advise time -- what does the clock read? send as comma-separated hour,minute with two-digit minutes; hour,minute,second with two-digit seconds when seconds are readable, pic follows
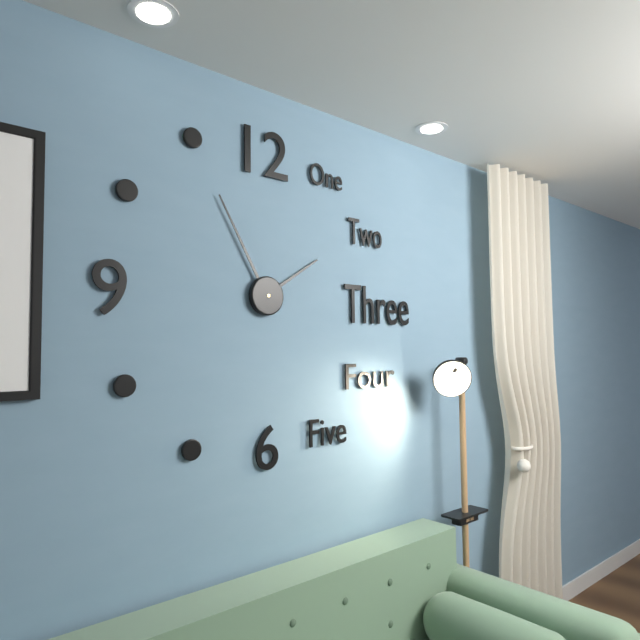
1,55
